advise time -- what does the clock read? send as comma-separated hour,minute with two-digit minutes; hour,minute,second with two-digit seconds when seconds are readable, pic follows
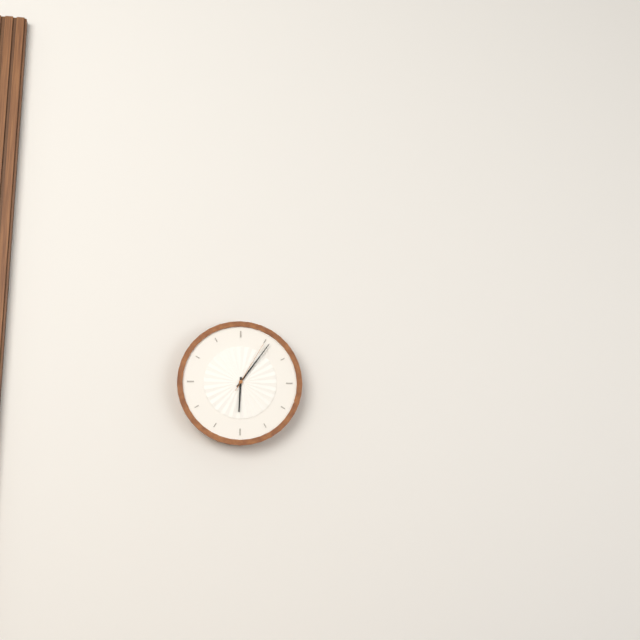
6,06,05
